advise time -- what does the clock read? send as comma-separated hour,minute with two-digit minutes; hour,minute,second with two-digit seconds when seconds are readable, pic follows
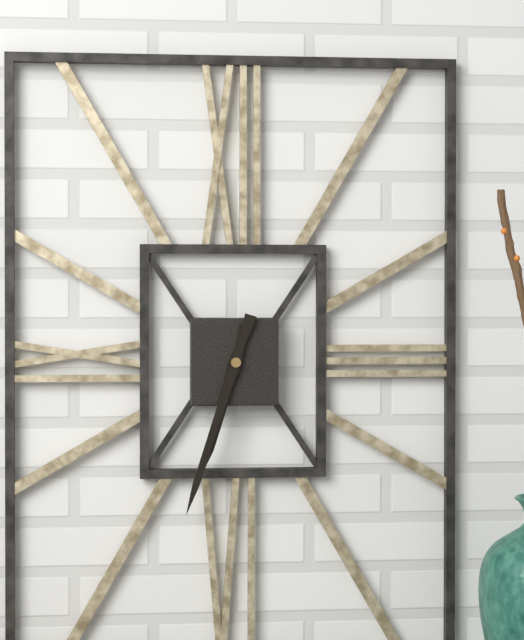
6,33
